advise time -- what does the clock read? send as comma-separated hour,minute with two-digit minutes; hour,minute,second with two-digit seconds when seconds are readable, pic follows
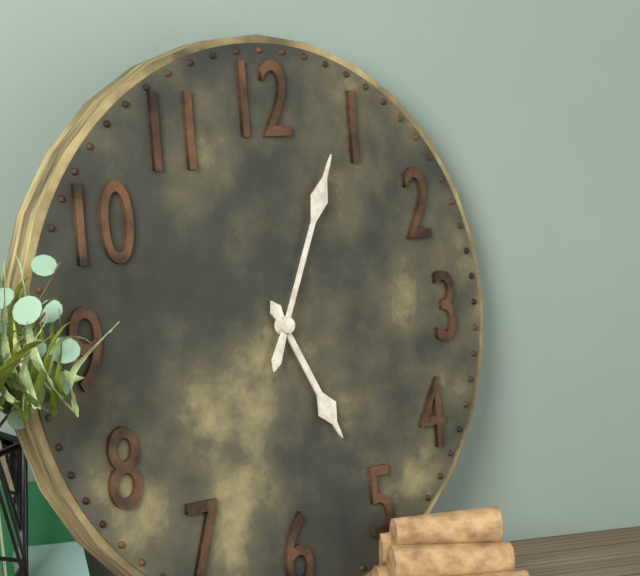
5,04
